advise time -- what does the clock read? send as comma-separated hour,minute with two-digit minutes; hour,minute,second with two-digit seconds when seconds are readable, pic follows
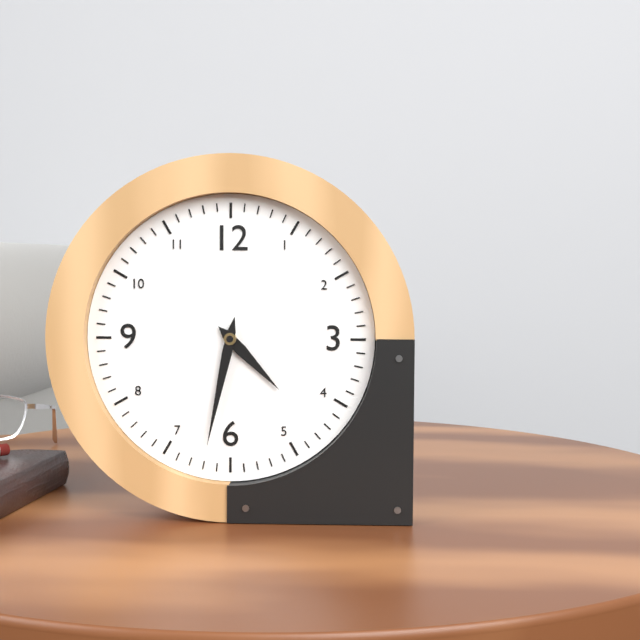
4,32
